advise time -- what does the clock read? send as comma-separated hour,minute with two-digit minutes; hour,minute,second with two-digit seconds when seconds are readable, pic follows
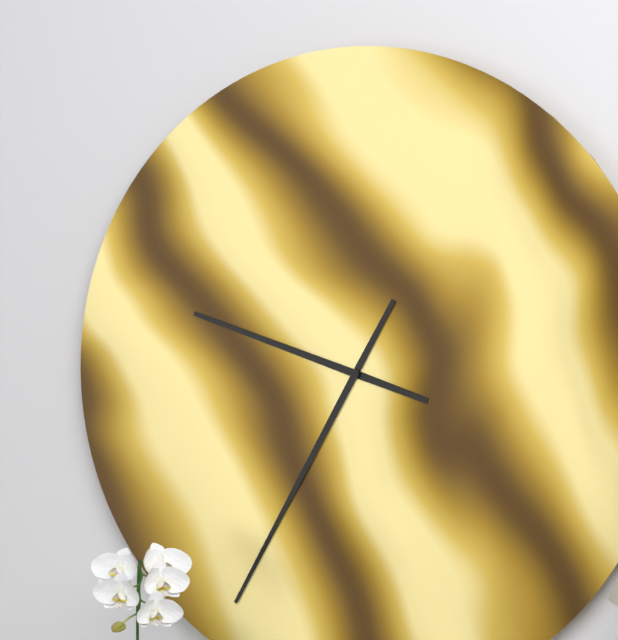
9,35
